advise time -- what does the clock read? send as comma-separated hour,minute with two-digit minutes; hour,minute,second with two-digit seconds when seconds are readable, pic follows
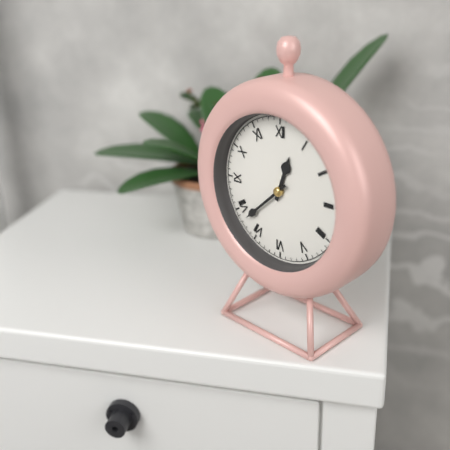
12,38
